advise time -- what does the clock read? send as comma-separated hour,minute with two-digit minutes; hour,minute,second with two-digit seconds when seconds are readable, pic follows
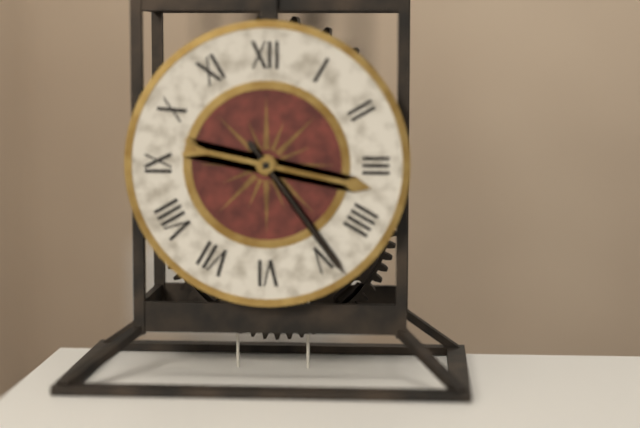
3,24
